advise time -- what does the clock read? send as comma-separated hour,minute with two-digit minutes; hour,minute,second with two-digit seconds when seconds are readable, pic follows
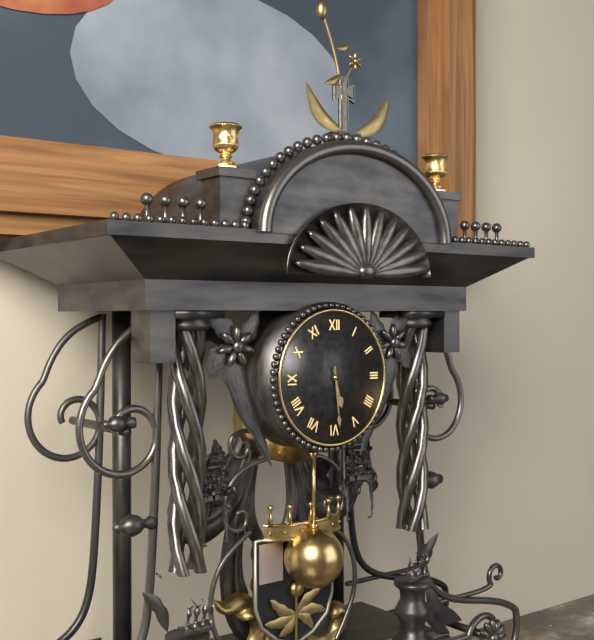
5,29
